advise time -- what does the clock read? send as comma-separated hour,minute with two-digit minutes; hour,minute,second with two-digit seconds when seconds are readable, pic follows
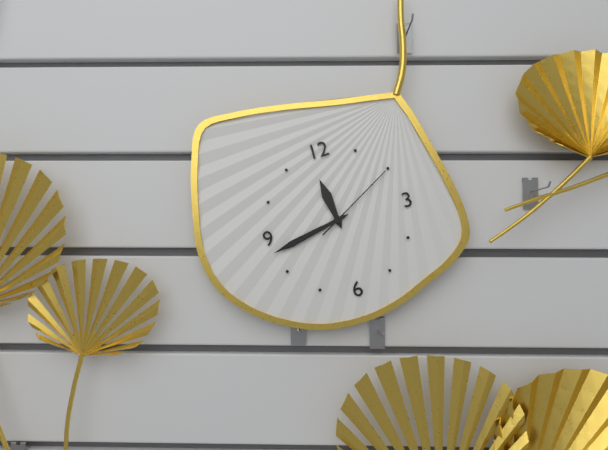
11,43,10
